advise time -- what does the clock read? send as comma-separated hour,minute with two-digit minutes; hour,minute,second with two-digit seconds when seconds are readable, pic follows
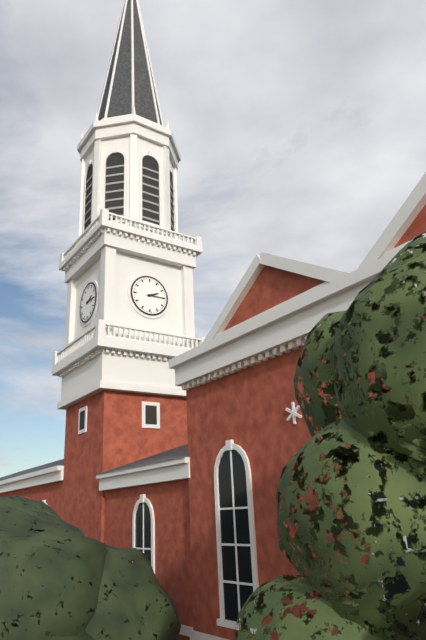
2,15
